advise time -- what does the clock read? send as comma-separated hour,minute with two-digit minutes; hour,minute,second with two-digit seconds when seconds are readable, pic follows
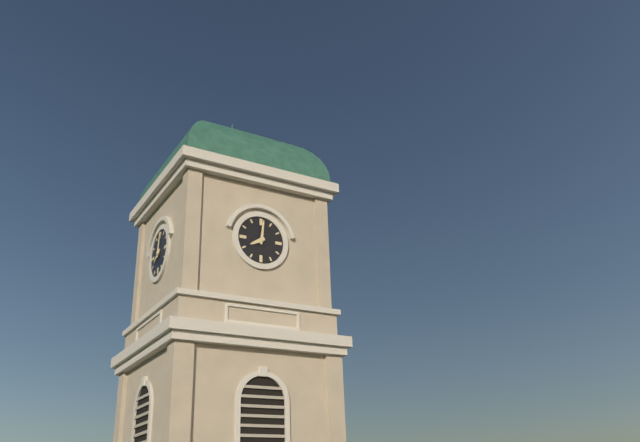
8,01
